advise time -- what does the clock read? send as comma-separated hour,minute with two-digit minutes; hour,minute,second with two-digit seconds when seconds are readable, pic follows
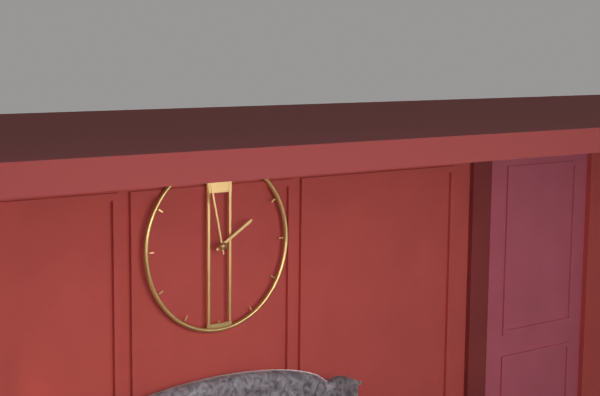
1,58
